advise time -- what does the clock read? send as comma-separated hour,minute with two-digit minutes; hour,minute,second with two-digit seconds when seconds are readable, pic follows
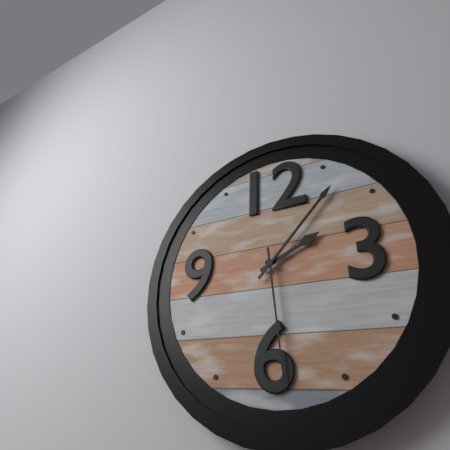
2,07,29
